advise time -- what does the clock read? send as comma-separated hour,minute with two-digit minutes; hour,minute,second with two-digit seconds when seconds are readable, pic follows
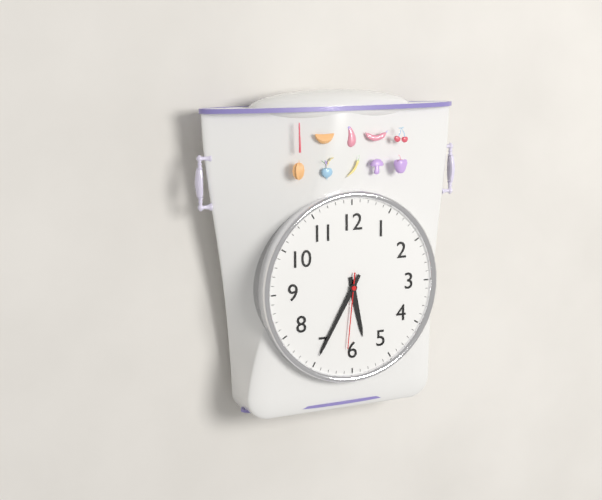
5,35,31
